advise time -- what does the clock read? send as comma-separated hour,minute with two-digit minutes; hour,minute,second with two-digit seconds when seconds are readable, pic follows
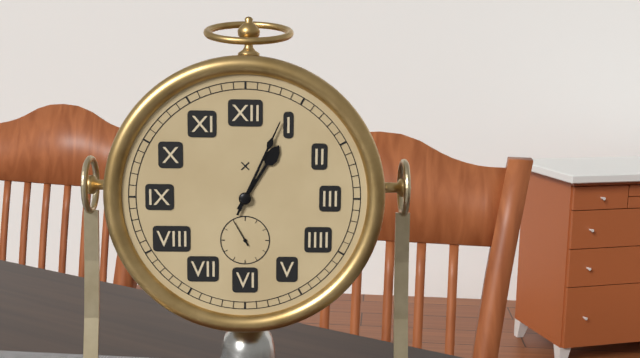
1,04
